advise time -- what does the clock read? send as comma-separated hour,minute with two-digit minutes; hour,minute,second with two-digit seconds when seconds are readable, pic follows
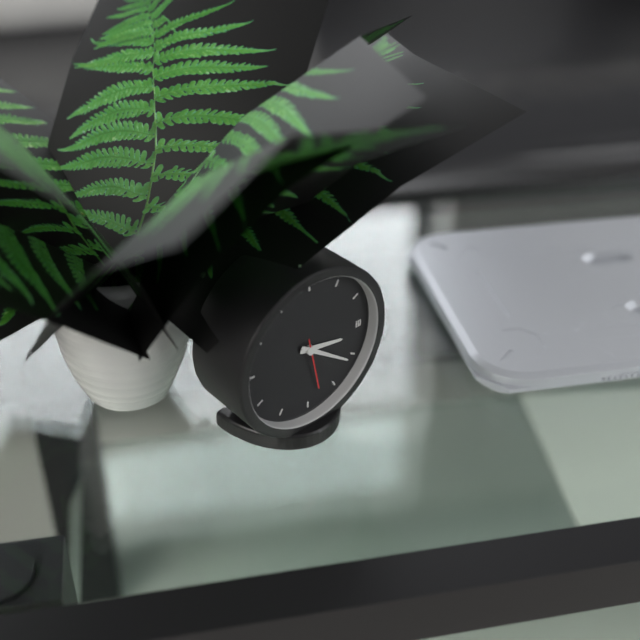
3,21,28
